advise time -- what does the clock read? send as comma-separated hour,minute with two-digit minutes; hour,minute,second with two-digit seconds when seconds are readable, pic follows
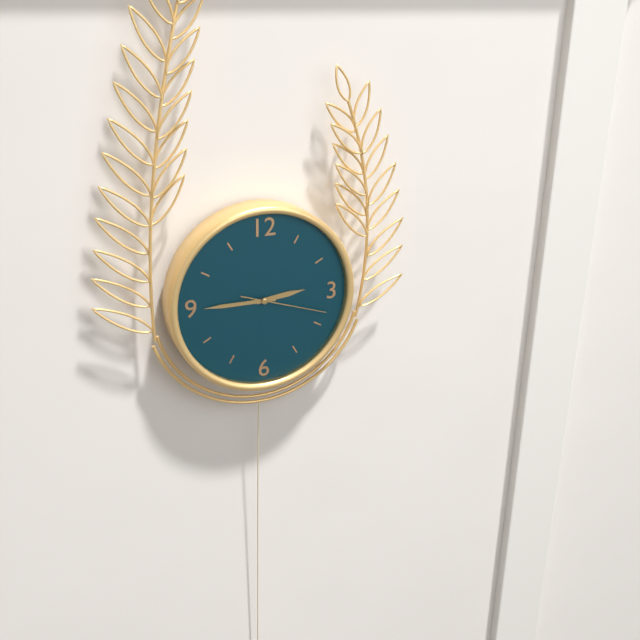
2,45,18
